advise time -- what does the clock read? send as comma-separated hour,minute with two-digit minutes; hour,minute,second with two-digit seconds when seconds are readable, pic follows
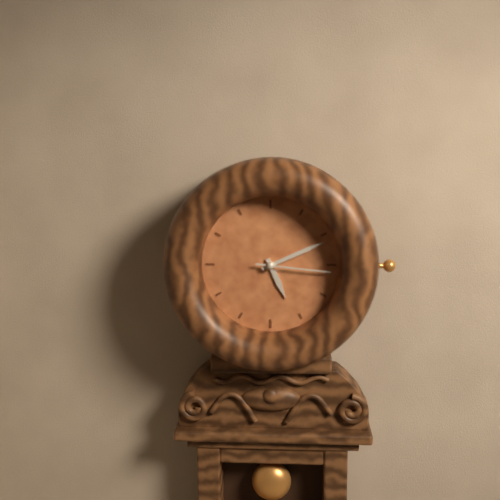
5,11,16
